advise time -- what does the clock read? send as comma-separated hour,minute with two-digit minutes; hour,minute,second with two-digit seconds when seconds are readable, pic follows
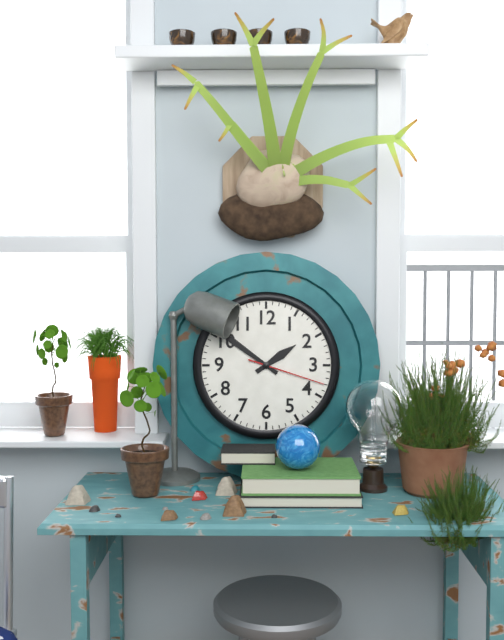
1,51,18
